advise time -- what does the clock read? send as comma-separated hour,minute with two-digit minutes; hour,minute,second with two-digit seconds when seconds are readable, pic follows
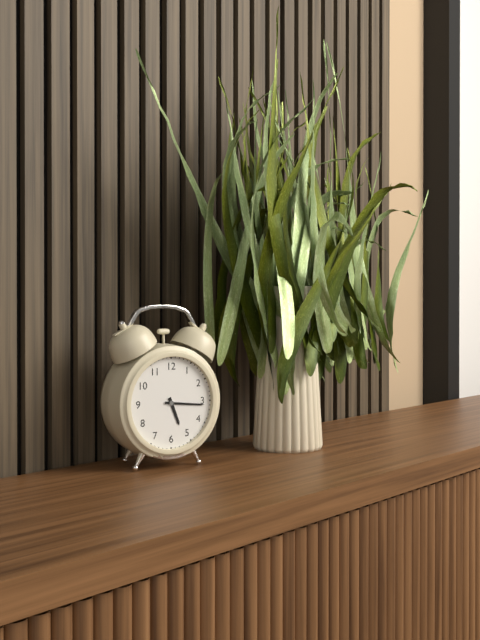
5,16
